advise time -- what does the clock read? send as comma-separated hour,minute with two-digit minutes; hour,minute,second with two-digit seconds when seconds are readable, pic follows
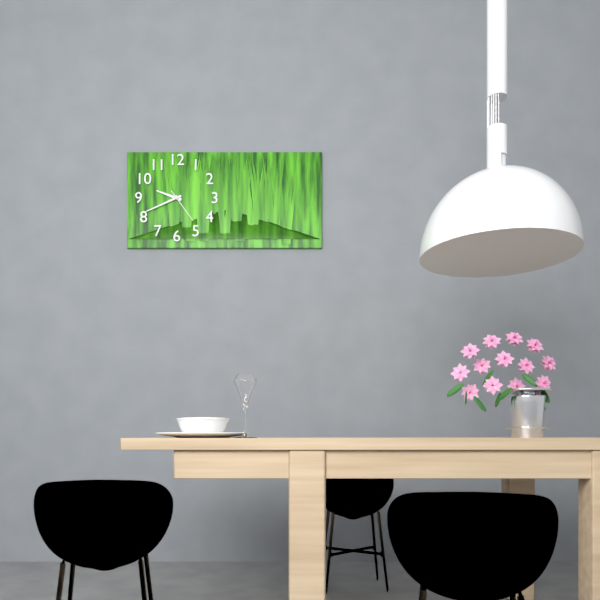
9,41
